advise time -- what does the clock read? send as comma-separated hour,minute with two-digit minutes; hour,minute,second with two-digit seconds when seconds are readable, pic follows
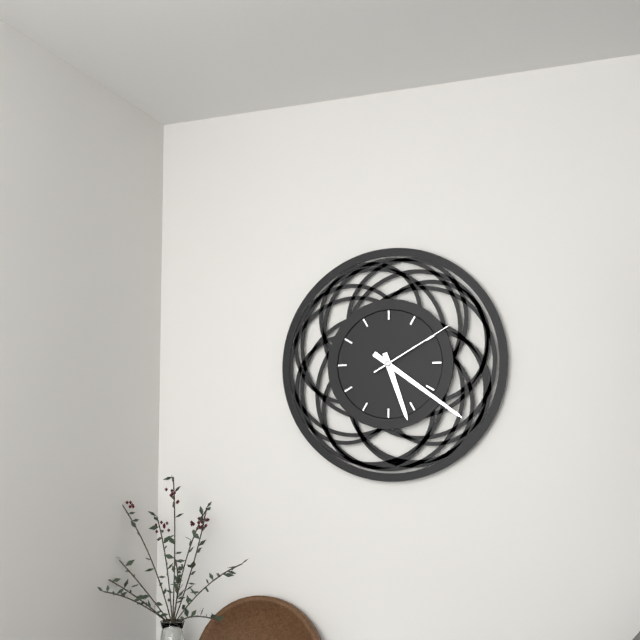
5,21,10
